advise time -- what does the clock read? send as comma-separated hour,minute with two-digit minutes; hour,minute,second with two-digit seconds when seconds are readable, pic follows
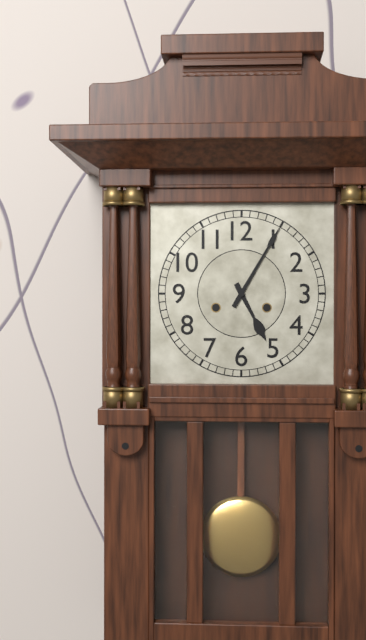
5,05
